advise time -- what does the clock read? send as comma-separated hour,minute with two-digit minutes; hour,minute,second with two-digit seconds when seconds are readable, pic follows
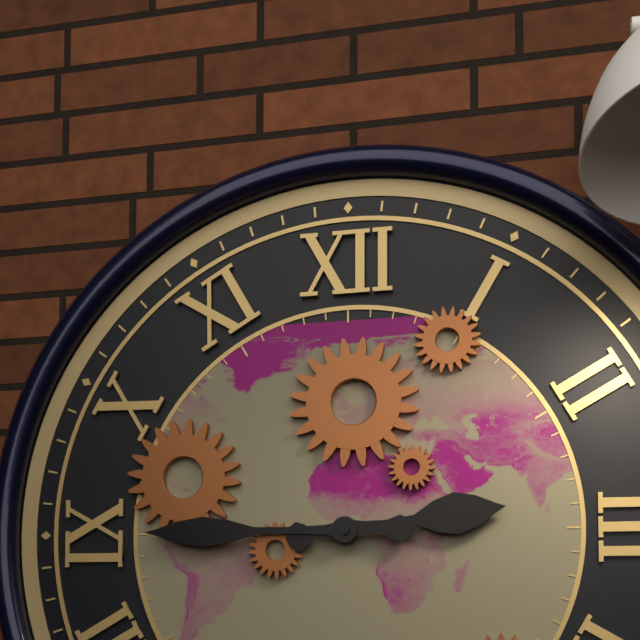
2,45
